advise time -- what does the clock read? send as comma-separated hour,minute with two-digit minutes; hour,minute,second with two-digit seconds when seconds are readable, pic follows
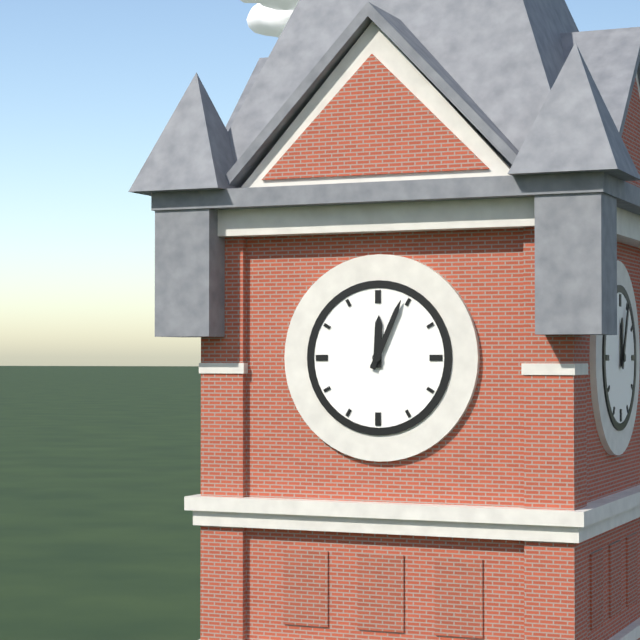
12,04
